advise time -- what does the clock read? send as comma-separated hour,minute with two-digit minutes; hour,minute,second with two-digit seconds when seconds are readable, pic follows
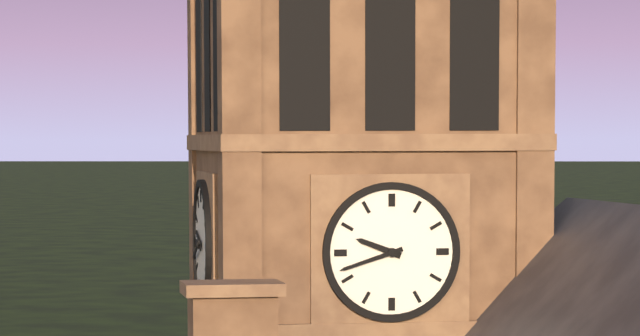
9,42
